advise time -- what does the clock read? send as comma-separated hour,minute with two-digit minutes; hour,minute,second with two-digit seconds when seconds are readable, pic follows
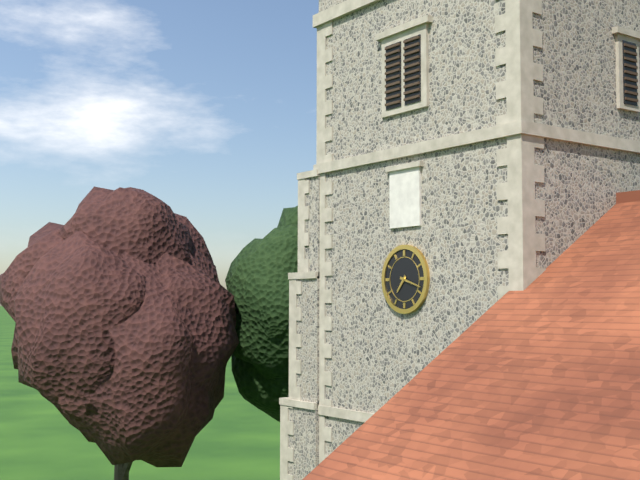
7,18
